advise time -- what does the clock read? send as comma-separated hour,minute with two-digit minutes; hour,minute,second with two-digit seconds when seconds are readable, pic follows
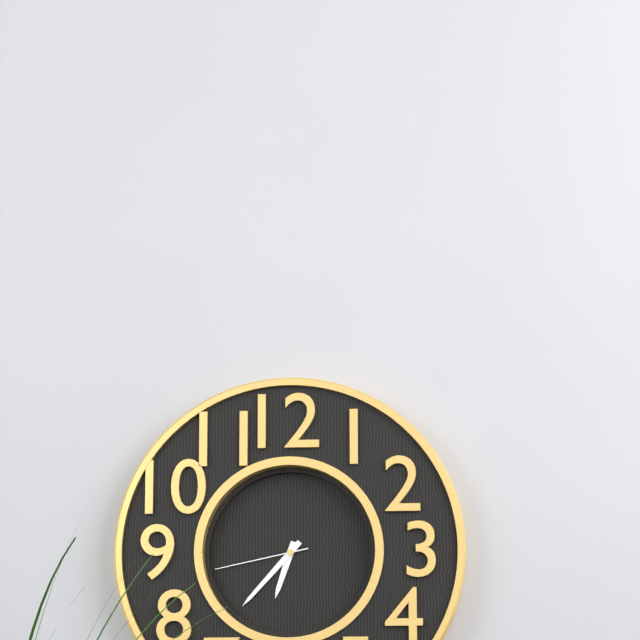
6,37,43
